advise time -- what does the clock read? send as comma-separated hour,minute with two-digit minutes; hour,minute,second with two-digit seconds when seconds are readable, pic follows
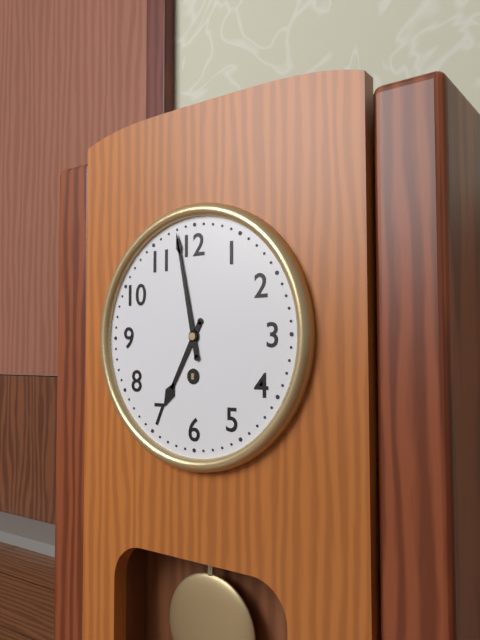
6,58
